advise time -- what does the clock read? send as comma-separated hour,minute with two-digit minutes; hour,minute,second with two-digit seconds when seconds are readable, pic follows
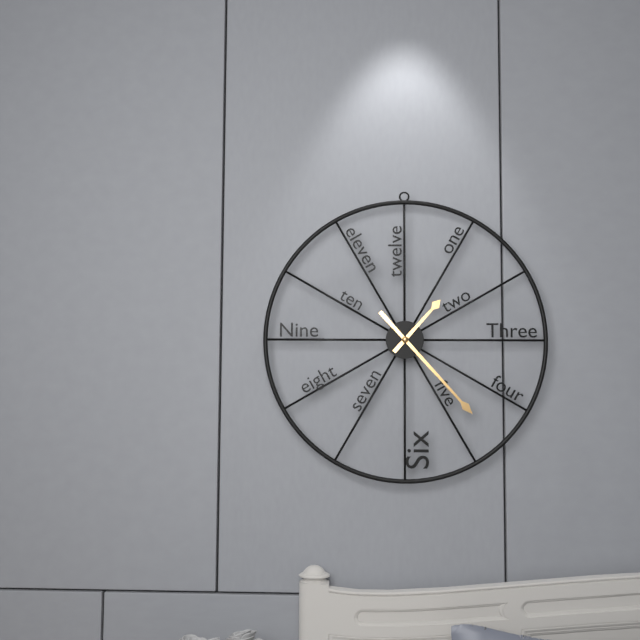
1,23
